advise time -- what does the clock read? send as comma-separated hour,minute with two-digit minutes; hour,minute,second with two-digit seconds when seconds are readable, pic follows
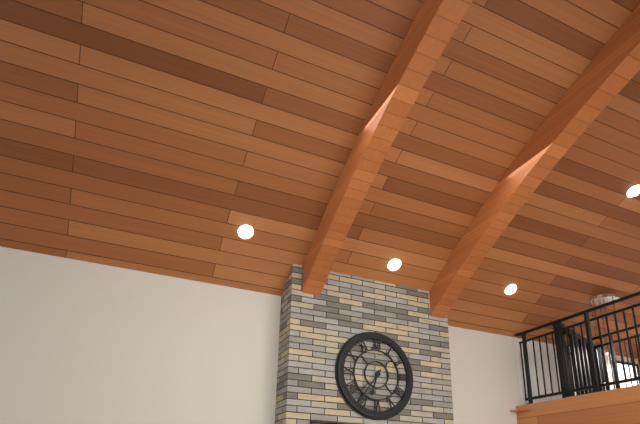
6,36
